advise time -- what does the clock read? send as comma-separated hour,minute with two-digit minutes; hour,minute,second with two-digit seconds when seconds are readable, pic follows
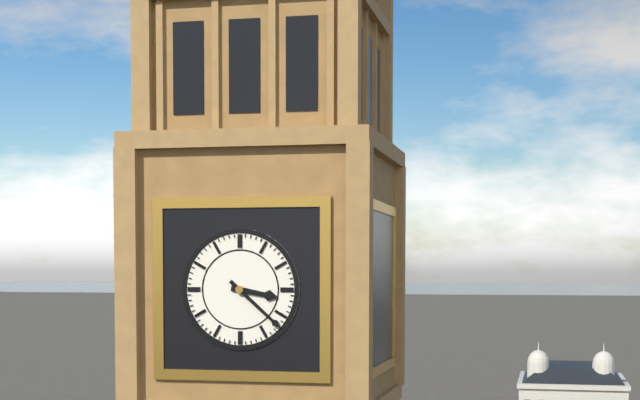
3,22
